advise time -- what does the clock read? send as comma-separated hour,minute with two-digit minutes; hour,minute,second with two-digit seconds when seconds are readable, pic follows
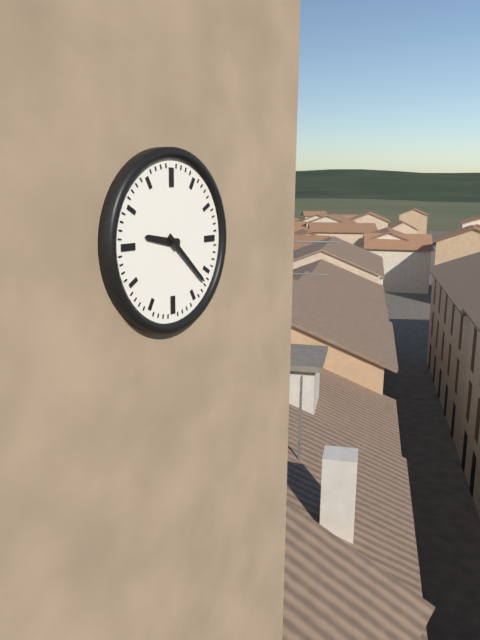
9,22
